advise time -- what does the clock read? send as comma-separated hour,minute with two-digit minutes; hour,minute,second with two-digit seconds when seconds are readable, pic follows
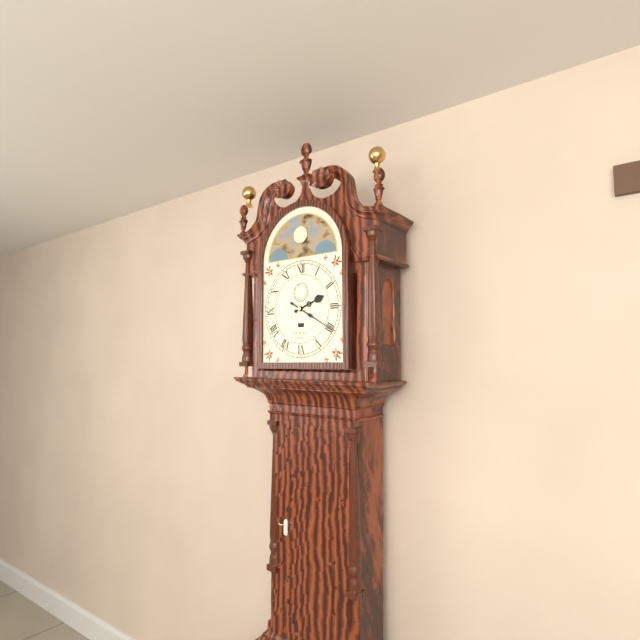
2,20
